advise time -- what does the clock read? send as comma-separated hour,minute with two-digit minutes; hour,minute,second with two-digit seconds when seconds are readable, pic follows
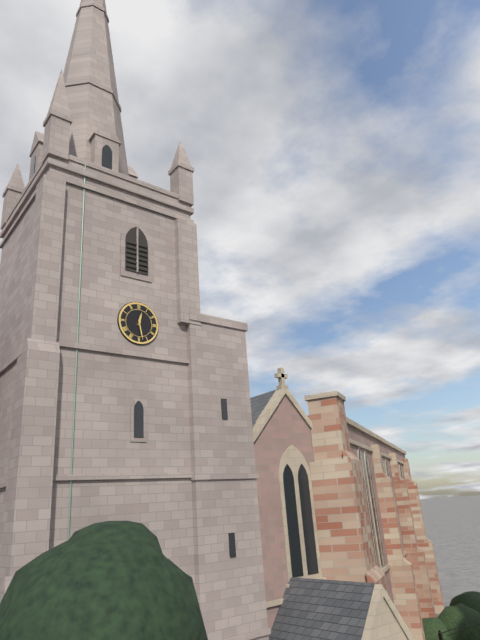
12,28
